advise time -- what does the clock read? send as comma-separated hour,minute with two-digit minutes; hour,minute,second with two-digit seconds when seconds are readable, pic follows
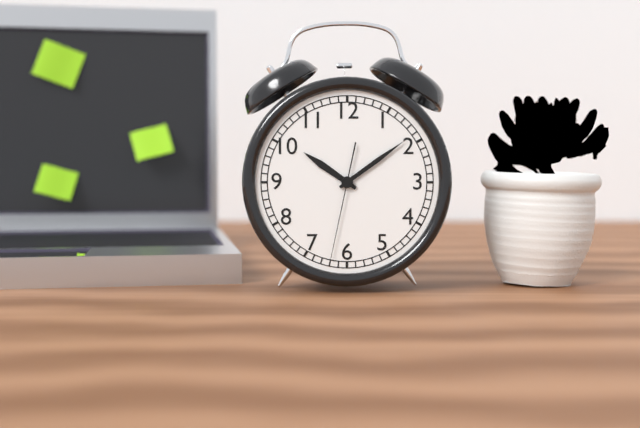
10,09,32
